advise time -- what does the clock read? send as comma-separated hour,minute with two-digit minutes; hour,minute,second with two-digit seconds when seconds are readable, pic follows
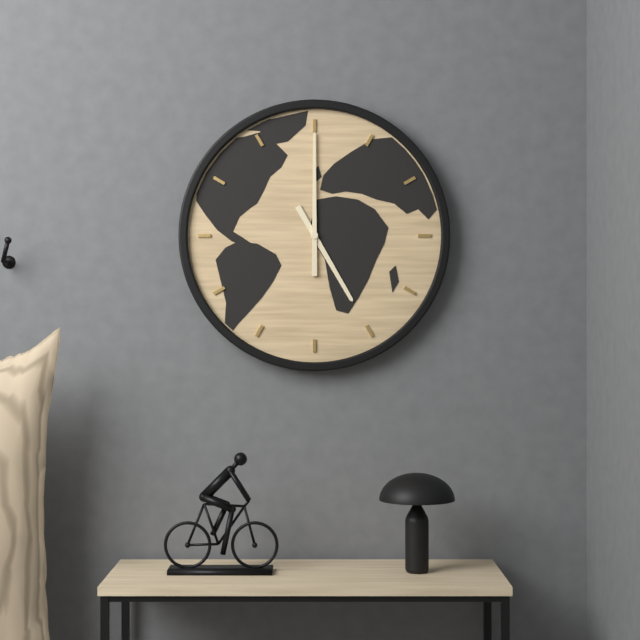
5,00
